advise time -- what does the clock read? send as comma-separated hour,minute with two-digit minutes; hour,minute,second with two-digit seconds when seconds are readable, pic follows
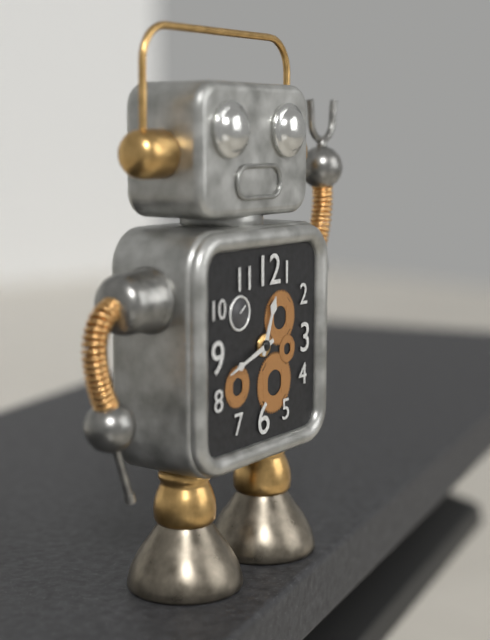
12,42
